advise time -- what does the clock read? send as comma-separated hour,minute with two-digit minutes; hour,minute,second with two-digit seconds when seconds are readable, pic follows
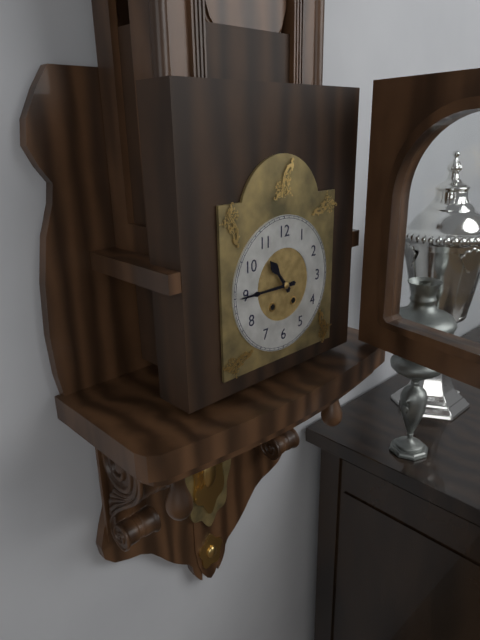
10,45
